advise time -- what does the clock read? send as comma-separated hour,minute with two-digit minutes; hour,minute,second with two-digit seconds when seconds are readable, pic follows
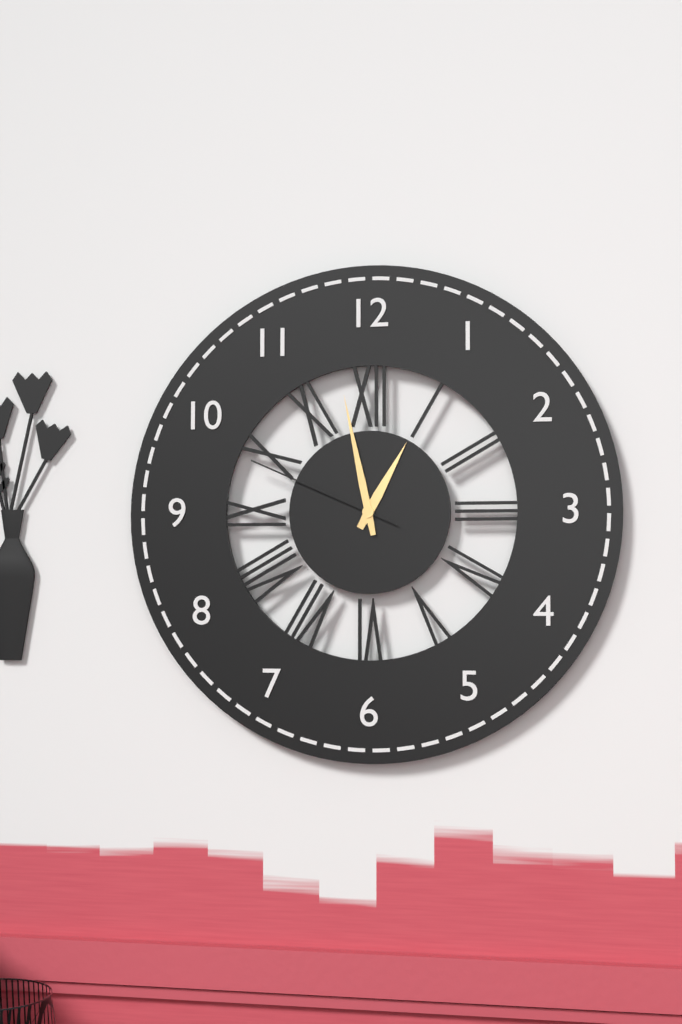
12,58,49
